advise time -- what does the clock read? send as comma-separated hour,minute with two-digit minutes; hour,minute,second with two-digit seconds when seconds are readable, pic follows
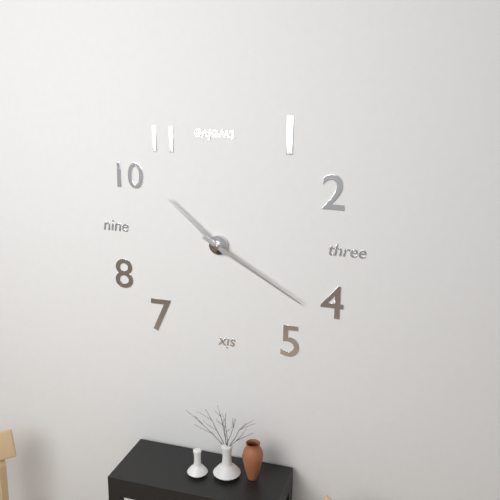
10,20
